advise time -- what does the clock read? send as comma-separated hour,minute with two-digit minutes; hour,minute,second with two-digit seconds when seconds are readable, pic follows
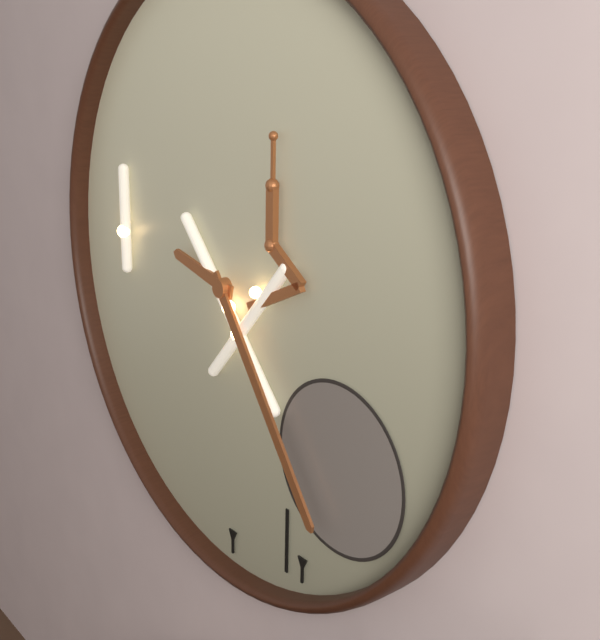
9,24
